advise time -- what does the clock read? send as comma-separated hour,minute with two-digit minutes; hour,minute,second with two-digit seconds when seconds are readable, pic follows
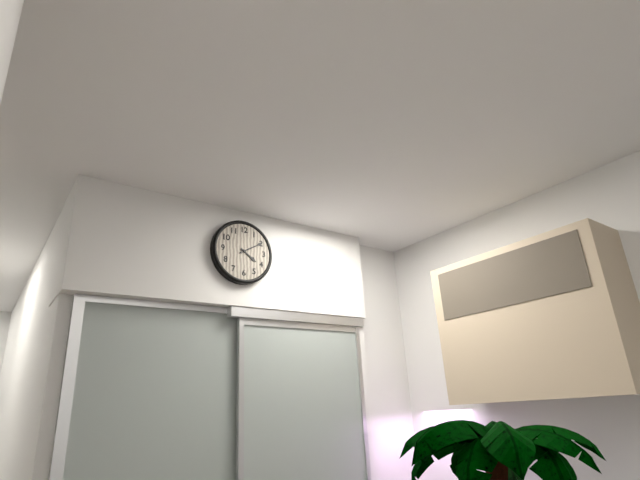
4,10
